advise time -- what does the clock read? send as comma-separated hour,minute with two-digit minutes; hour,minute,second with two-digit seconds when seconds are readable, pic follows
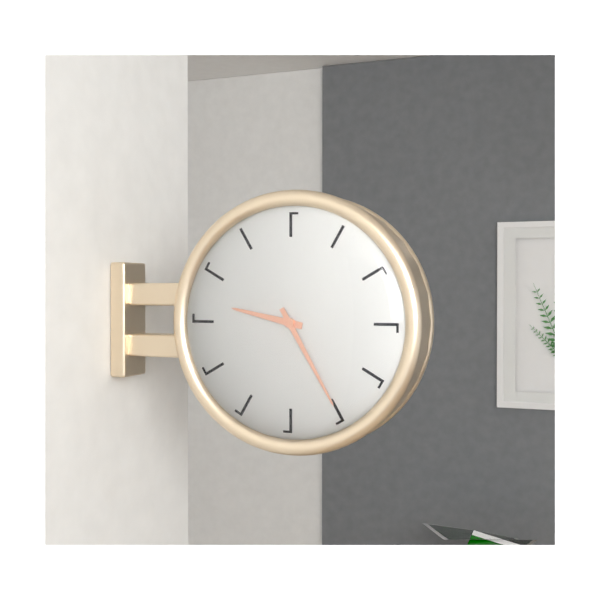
9,25
